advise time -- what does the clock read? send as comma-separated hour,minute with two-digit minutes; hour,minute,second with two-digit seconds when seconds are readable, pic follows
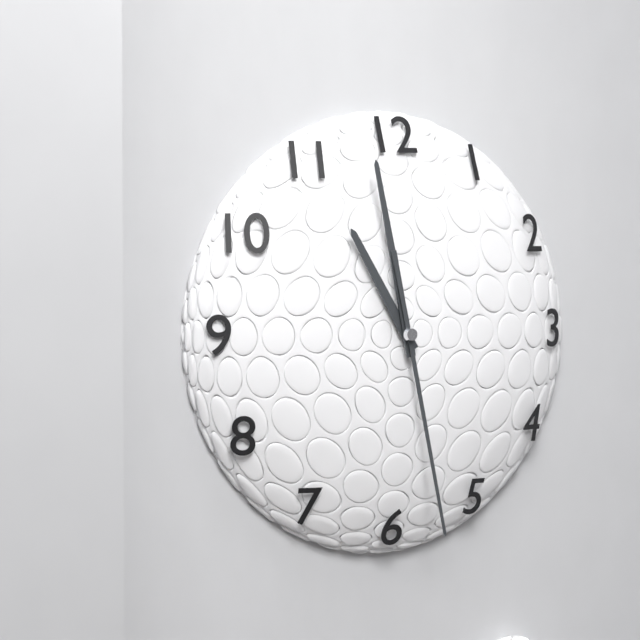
10,58,28
